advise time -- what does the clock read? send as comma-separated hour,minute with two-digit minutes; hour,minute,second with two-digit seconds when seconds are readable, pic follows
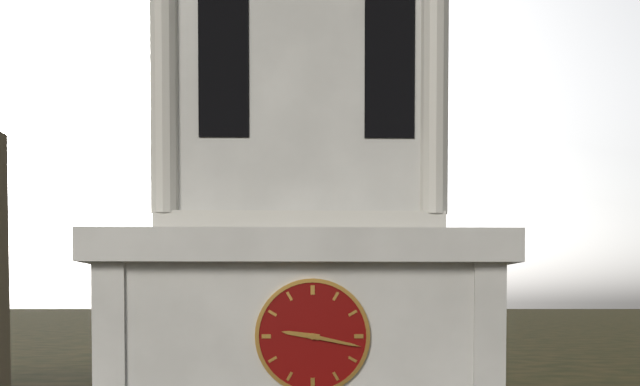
9,17
